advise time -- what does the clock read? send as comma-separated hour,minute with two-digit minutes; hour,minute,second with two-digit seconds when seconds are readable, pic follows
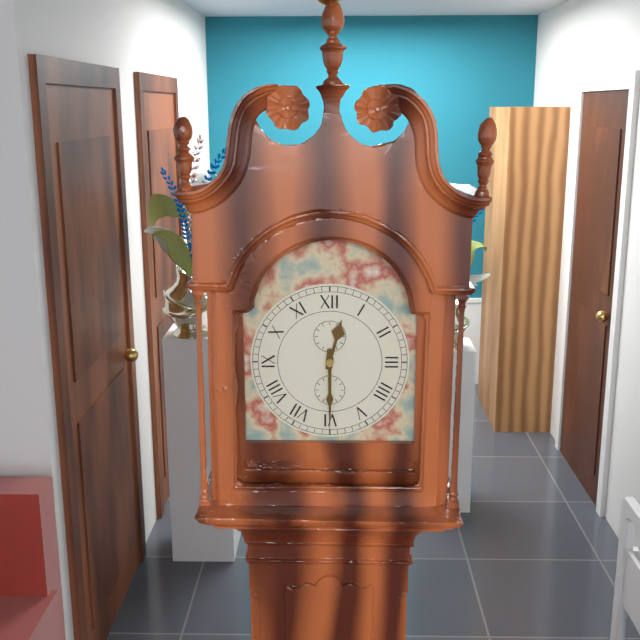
12,30
